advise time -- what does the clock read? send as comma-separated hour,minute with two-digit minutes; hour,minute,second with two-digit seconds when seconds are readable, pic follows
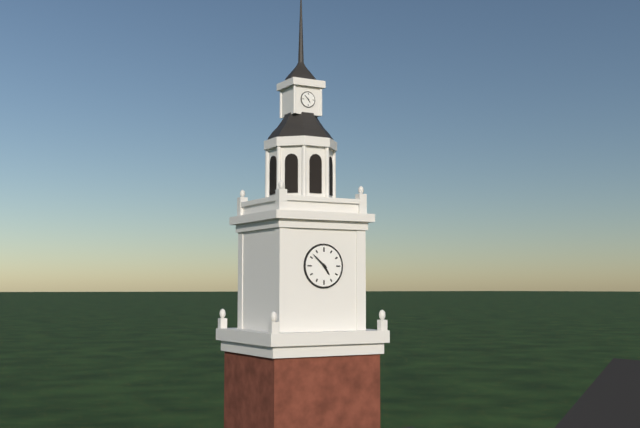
4,52
